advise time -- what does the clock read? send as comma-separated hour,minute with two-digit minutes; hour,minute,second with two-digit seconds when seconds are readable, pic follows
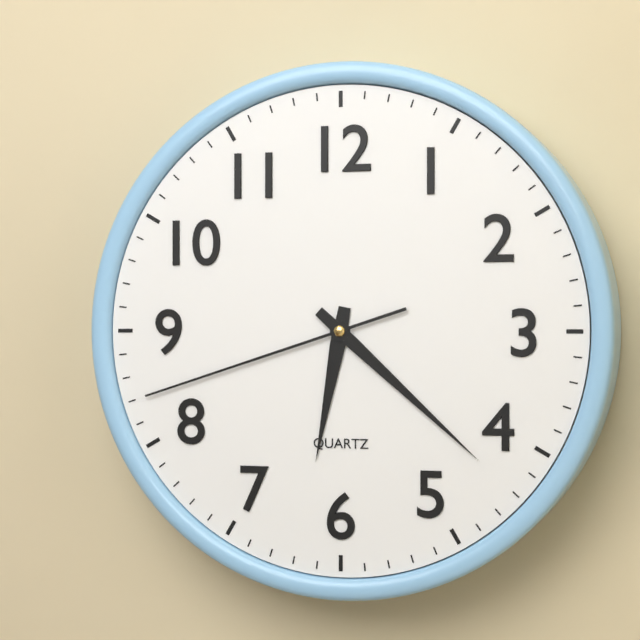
6,22,42
